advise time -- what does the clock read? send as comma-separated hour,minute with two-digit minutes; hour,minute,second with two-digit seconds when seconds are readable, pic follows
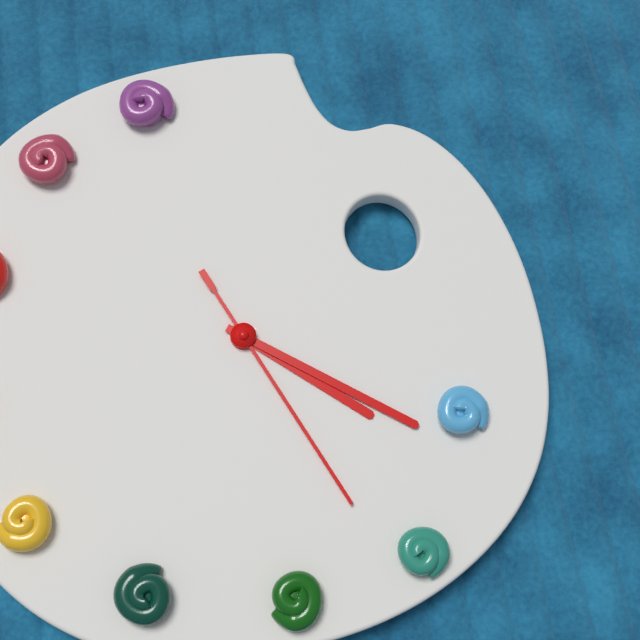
4,21,26
